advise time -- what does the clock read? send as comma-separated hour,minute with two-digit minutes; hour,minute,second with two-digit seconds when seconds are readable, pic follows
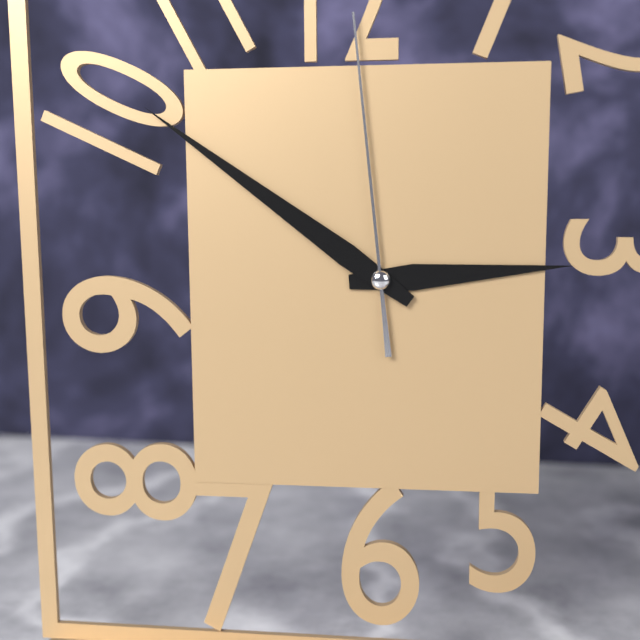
2,51,59
